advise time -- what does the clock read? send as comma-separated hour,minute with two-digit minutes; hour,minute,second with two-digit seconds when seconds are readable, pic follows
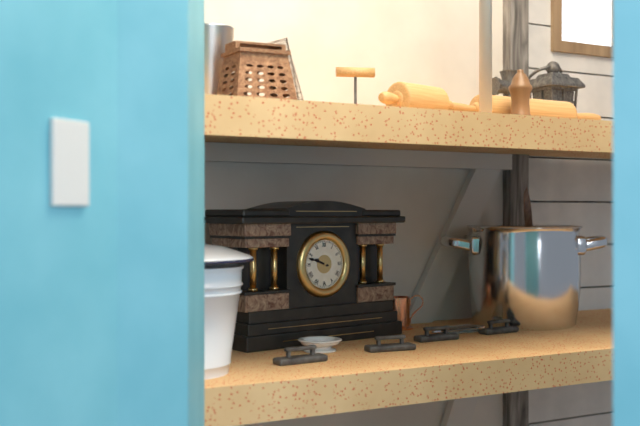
9,48
